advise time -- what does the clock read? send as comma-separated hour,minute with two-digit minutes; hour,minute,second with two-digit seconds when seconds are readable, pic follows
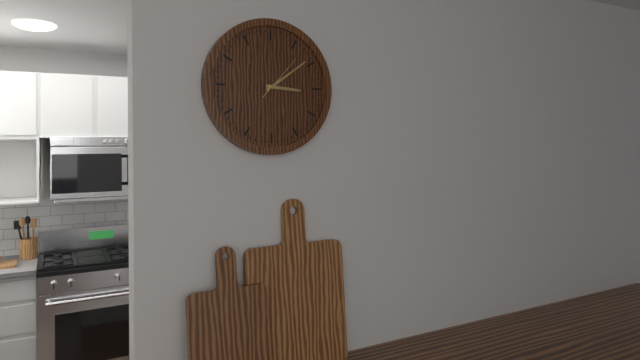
3,09
